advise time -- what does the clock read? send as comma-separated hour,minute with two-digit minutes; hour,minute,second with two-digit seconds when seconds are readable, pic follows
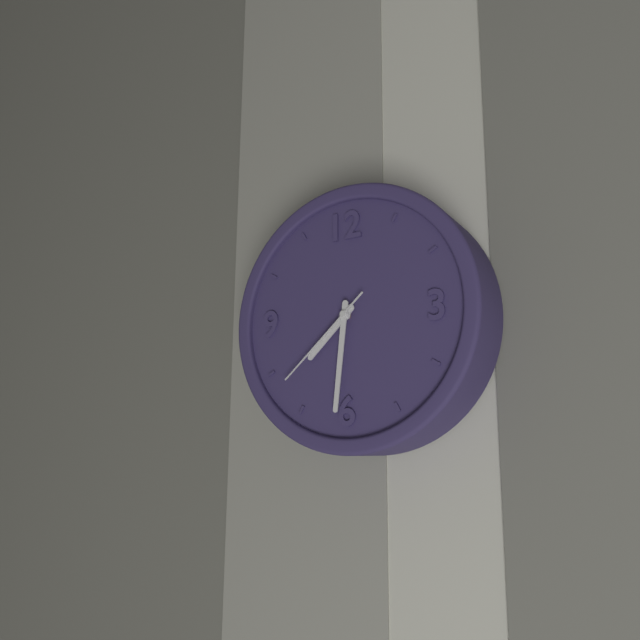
7,31,38
